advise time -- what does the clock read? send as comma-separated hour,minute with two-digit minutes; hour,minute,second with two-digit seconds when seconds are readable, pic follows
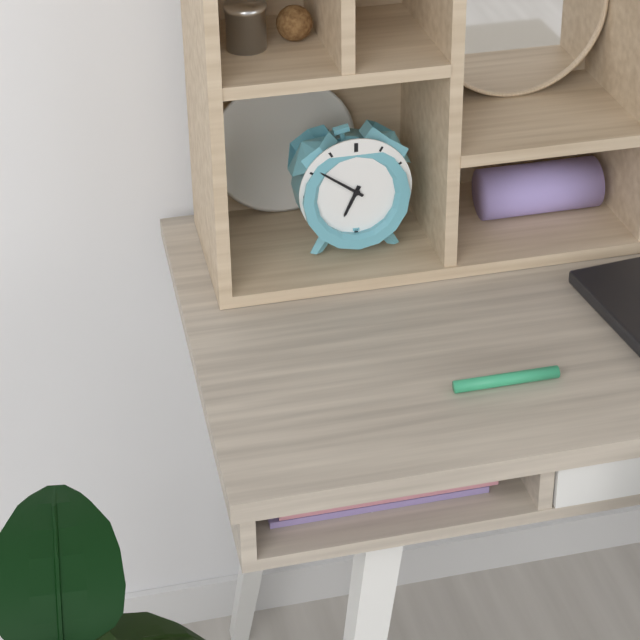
6,51
